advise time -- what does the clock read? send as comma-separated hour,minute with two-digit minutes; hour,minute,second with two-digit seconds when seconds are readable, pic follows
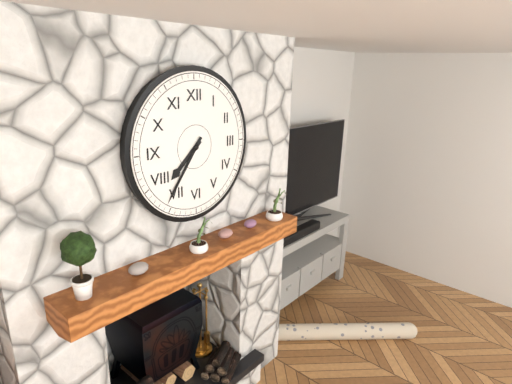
7,36
